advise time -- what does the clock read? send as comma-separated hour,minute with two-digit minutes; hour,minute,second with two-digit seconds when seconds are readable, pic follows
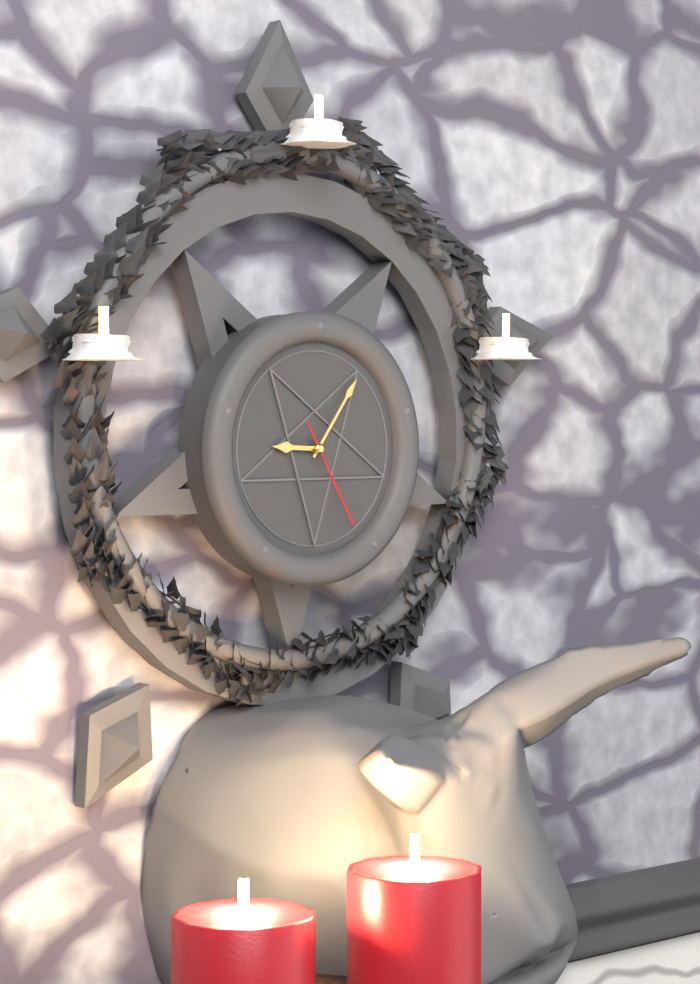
9,06,25
